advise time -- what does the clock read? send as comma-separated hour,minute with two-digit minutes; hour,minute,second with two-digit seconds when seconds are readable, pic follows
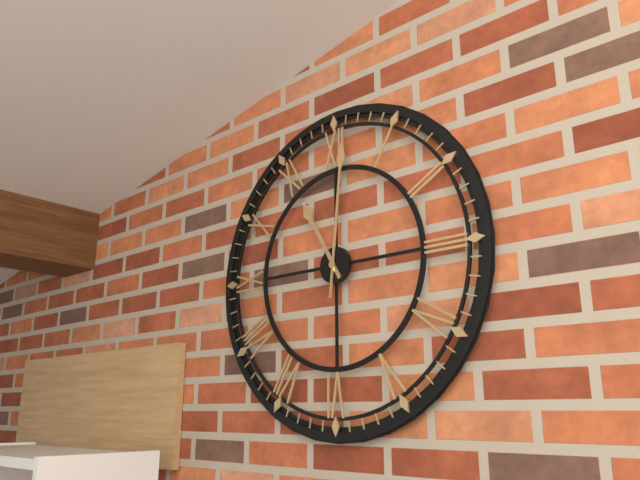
11,01
